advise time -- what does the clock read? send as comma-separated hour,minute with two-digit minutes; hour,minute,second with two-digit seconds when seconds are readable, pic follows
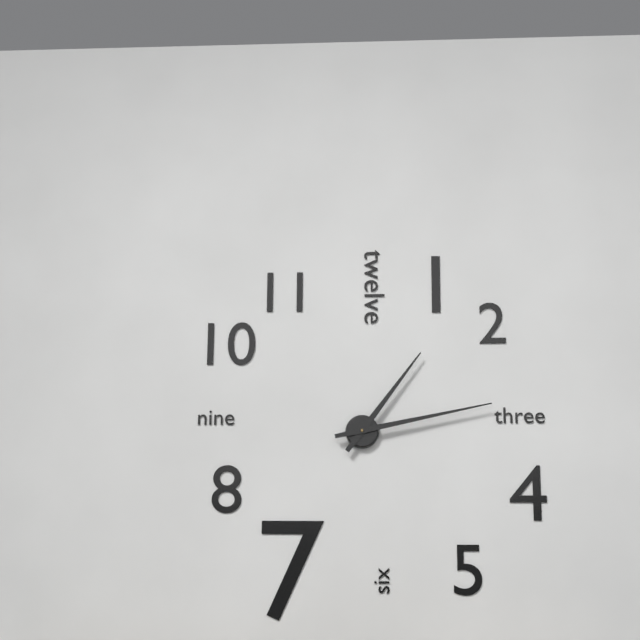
1,13
